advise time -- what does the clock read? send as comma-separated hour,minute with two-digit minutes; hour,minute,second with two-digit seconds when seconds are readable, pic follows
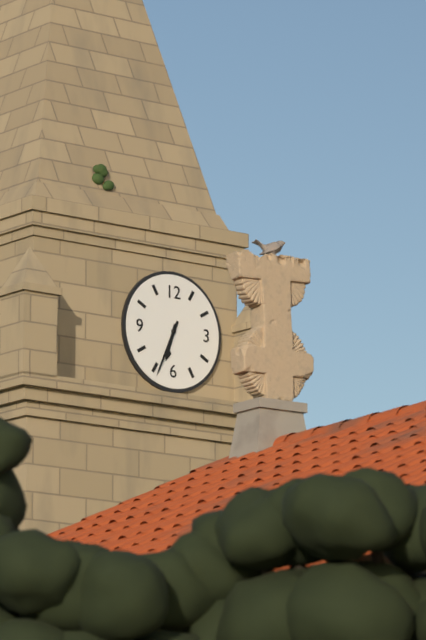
6,34
